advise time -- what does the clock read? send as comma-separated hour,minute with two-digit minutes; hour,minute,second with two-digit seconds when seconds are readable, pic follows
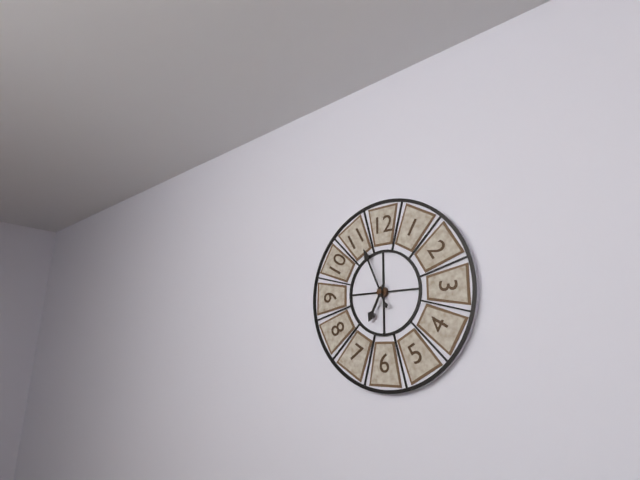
6,56
